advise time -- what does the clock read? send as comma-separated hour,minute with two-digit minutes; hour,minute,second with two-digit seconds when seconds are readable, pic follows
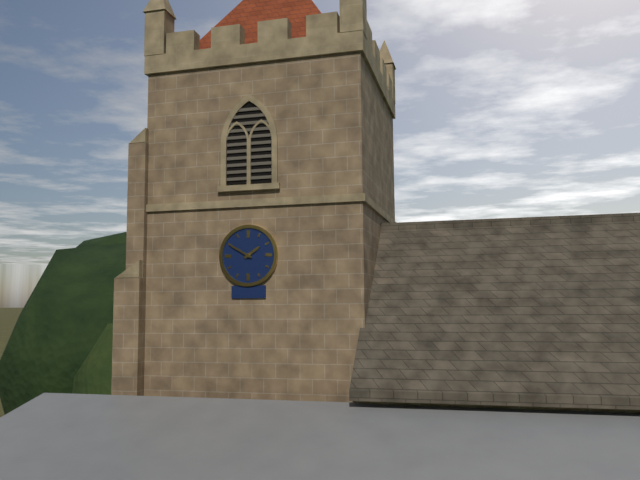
1,50
